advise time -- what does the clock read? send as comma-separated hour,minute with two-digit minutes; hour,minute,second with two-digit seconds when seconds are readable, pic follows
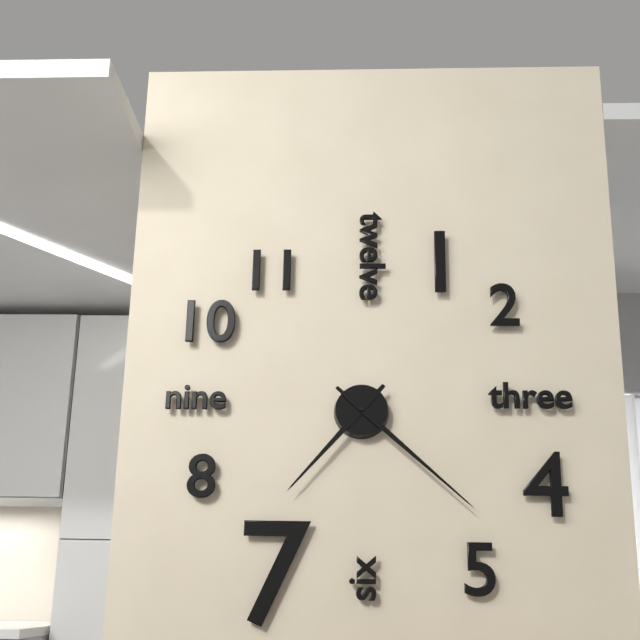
7,22
